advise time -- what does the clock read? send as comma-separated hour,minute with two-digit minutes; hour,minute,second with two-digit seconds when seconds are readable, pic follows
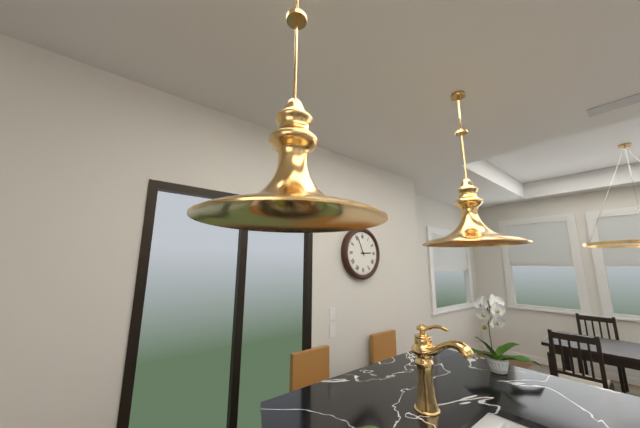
2,56
